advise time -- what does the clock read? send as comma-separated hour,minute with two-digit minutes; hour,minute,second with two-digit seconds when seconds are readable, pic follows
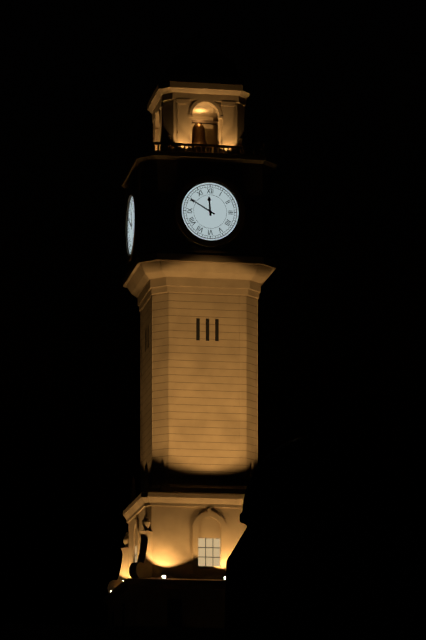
11,50
